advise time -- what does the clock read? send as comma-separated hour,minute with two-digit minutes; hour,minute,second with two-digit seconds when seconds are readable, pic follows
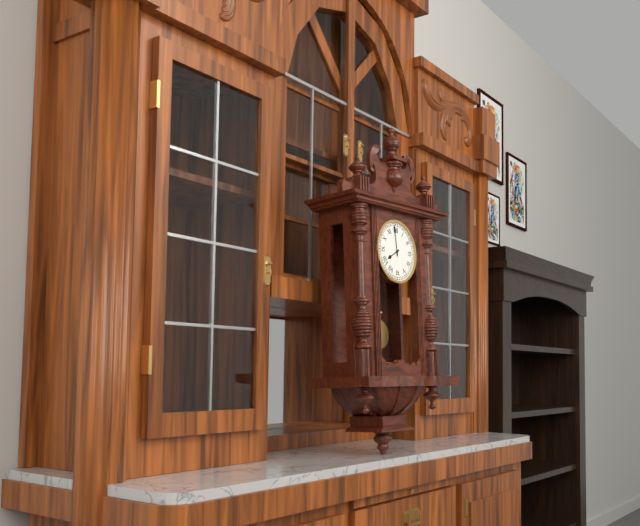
7,59
